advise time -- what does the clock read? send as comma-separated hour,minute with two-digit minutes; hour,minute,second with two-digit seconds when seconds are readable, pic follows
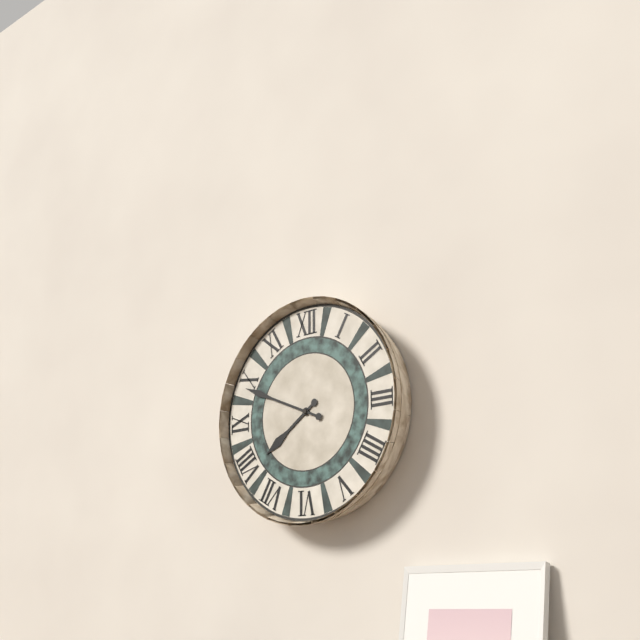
7,49
